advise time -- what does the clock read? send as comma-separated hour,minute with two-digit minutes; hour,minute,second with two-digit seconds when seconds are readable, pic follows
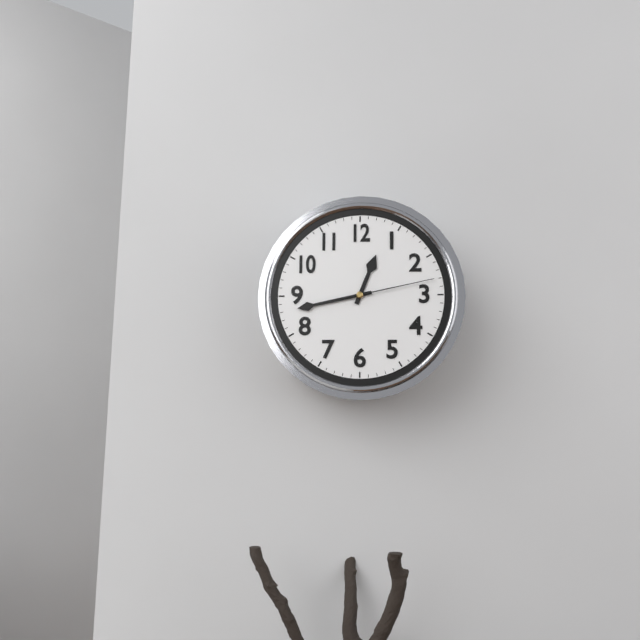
12,43,13
